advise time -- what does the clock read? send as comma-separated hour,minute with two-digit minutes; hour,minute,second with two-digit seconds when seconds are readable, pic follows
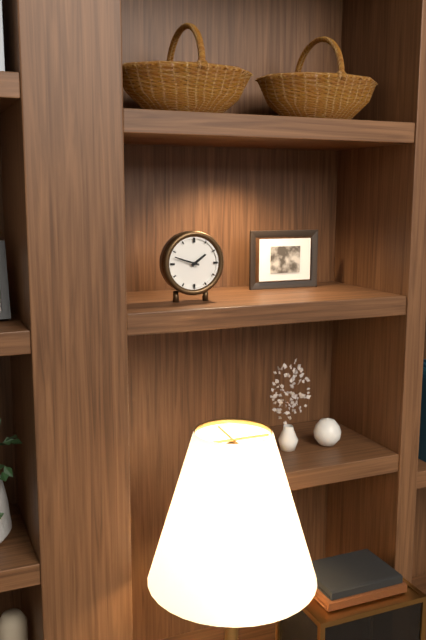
1,48
